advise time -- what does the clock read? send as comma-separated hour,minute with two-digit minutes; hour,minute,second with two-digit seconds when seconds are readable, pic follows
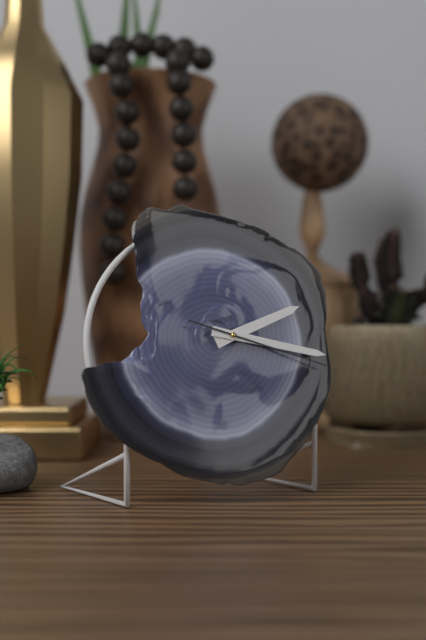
2,17,18
